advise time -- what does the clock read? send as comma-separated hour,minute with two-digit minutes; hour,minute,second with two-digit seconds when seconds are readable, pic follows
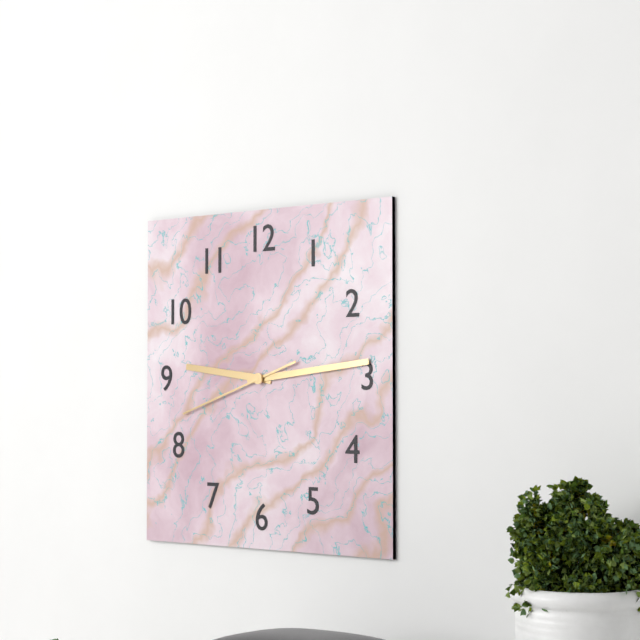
9,14,42
